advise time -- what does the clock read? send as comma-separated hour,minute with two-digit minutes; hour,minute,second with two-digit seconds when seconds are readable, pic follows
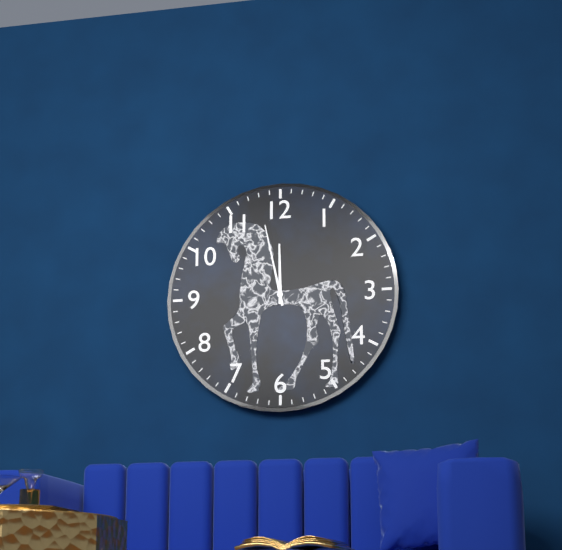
11,58
